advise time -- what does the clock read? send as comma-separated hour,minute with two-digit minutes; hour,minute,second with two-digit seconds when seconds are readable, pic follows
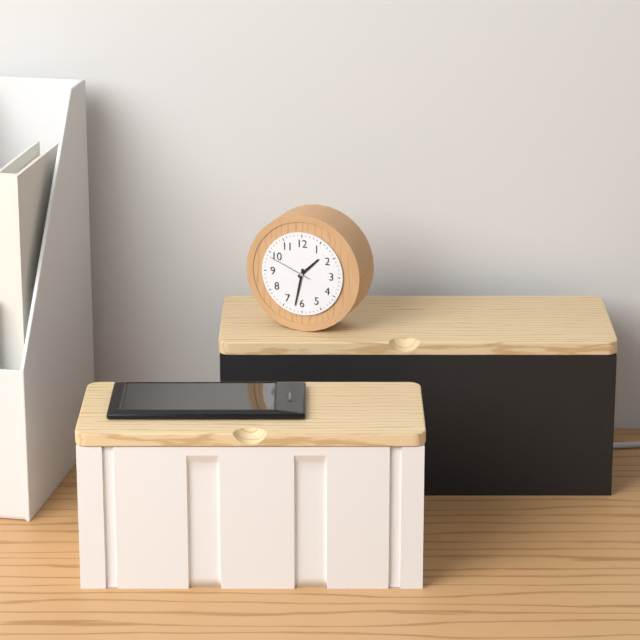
1,32
